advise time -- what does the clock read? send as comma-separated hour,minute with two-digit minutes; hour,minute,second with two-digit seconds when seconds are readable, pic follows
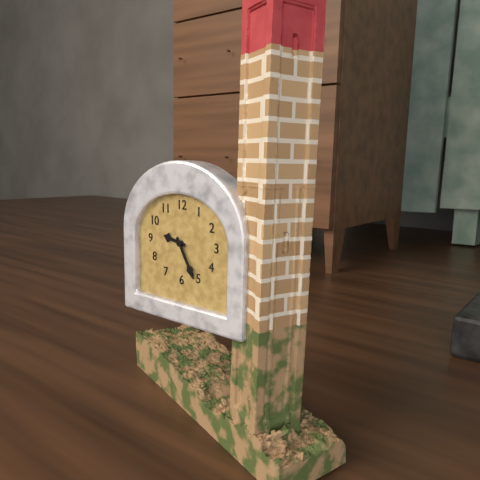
9,25
